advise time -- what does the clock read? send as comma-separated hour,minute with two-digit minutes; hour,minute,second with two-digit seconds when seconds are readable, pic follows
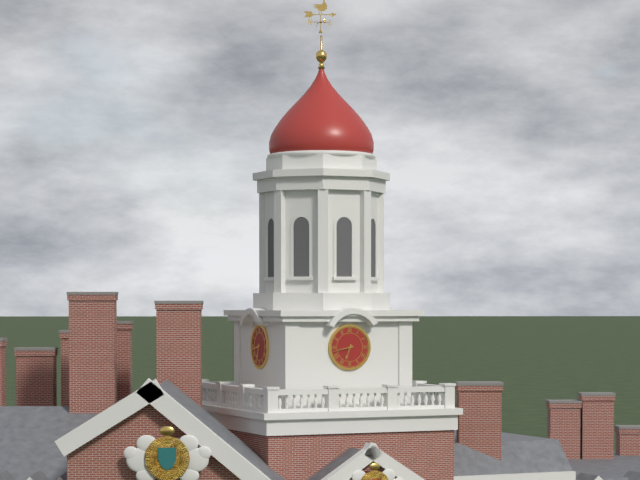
6,43
